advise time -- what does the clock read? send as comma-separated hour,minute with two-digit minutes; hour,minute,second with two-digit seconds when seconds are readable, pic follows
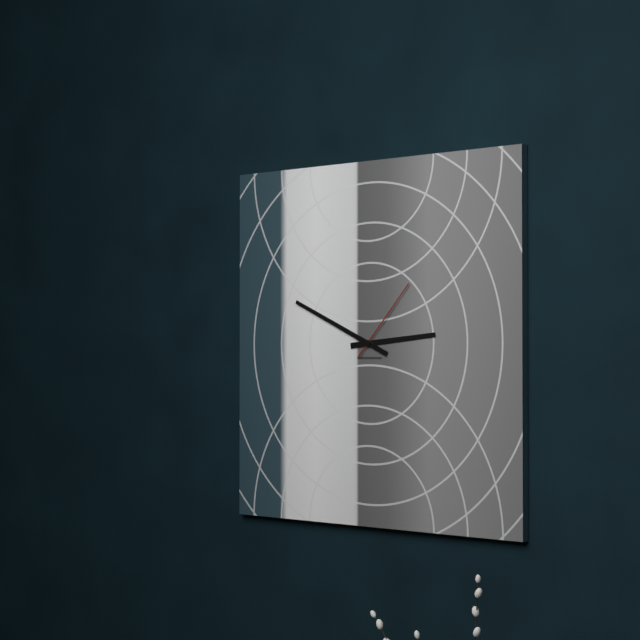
2,49,07
